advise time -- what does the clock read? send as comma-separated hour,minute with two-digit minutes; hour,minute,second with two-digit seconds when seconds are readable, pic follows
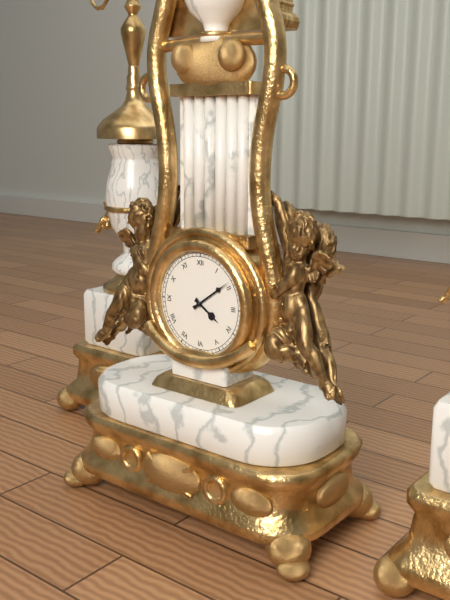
4,09
